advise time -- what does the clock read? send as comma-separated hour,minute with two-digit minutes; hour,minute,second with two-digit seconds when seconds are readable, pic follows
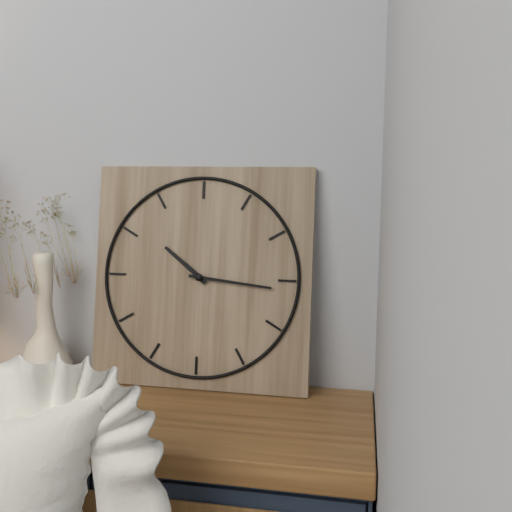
10,16
